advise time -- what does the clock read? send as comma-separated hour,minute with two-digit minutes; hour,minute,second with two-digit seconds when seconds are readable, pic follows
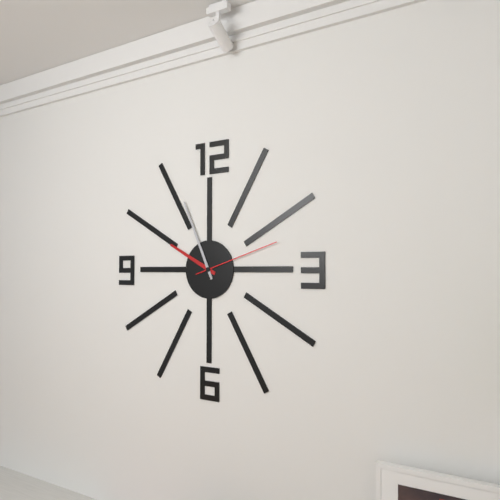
9,56,12
